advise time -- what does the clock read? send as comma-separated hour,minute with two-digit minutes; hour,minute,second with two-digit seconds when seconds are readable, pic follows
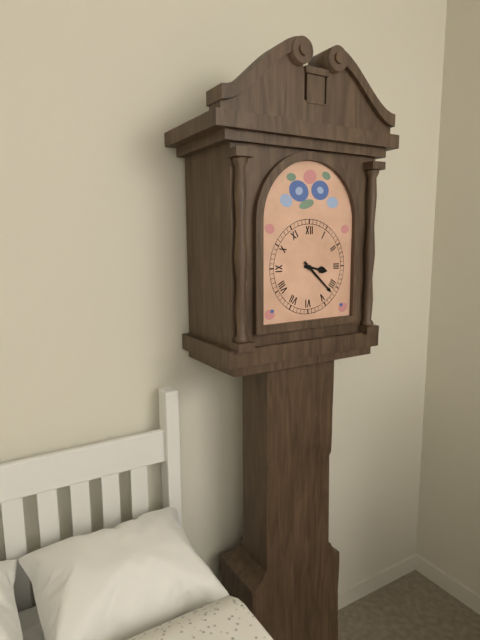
3,22
